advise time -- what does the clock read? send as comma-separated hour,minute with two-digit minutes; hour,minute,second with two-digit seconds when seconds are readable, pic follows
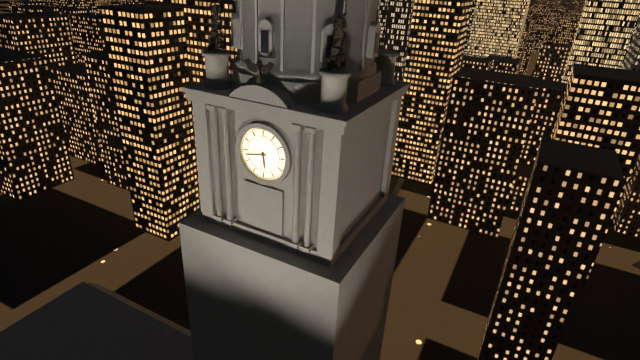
5,43
